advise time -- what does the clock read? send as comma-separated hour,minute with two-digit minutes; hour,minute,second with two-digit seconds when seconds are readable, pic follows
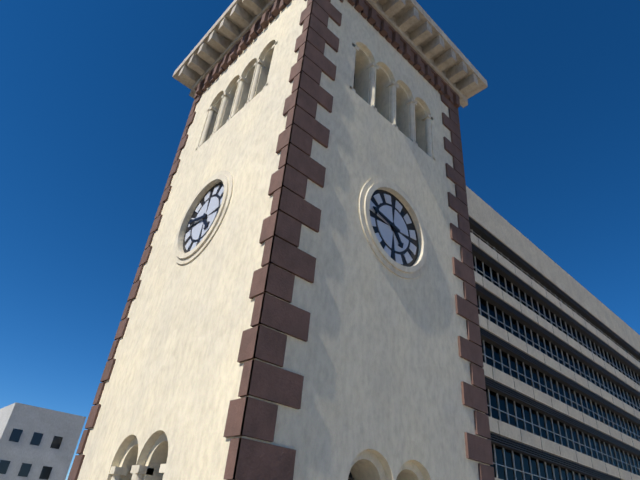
4,47
